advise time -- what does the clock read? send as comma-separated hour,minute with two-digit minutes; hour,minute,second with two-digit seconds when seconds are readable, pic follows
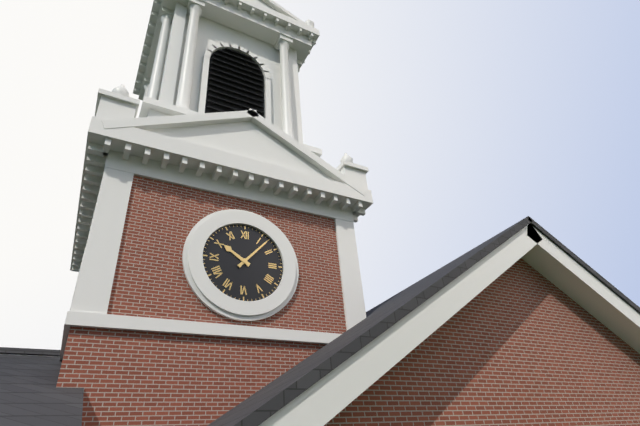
10,07
